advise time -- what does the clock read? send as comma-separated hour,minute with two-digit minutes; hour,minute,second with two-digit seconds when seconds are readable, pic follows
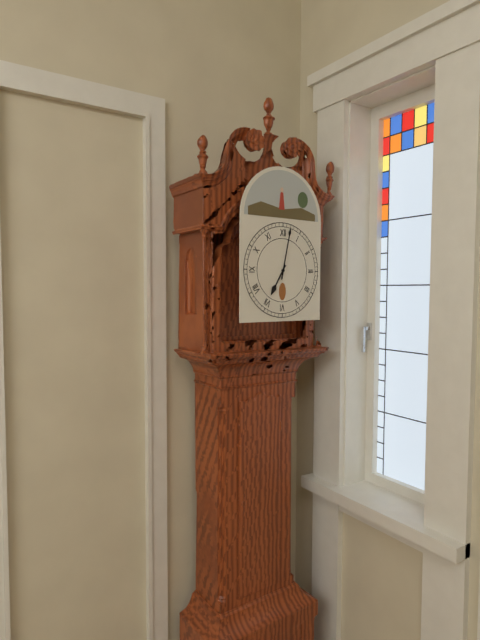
7,02
